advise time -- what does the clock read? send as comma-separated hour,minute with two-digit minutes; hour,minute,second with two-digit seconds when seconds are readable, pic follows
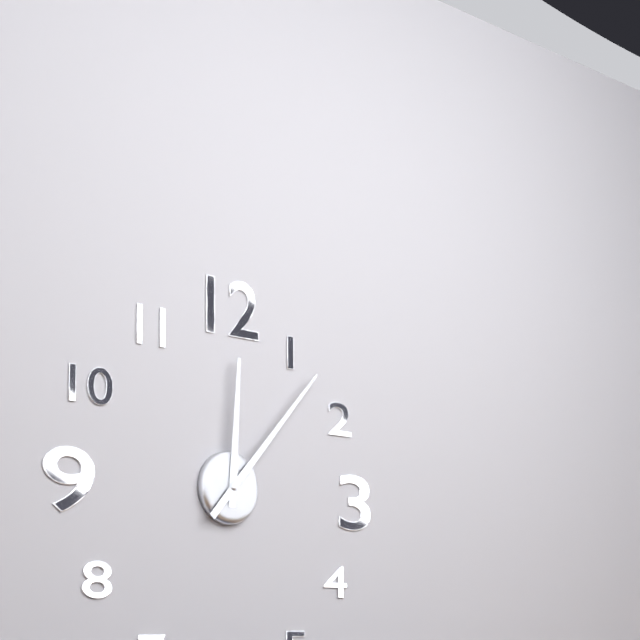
12,07
